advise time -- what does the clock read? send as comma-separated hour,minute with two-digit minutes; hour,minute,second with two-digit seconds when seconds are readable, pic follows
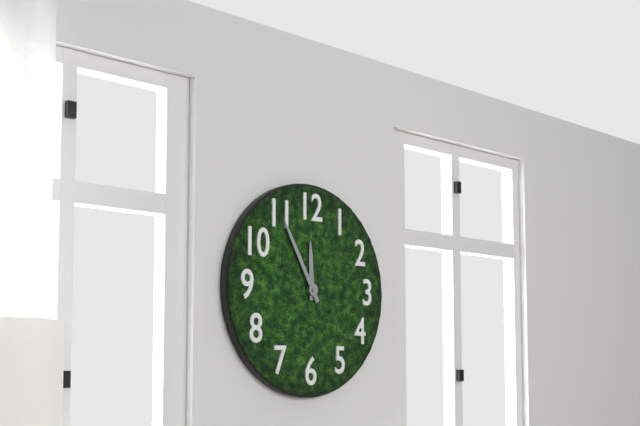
11,55
